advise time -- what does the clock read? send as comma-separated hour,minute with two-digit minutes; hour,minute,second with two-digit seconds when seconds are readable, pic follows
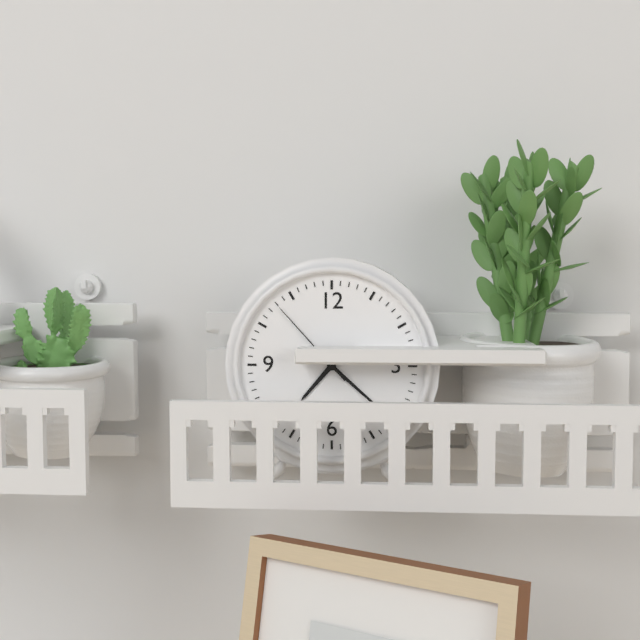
7,22,53
